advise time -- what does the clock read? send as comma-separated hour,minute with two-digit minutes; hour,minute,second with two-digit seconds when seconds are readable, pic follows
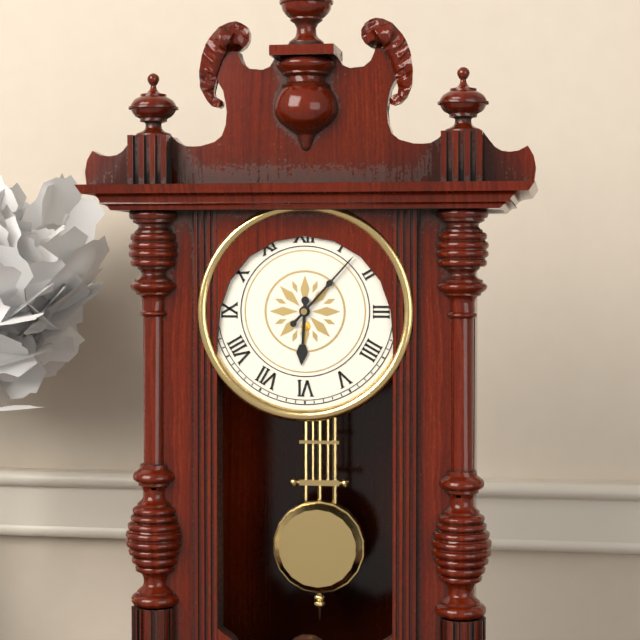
6,07
